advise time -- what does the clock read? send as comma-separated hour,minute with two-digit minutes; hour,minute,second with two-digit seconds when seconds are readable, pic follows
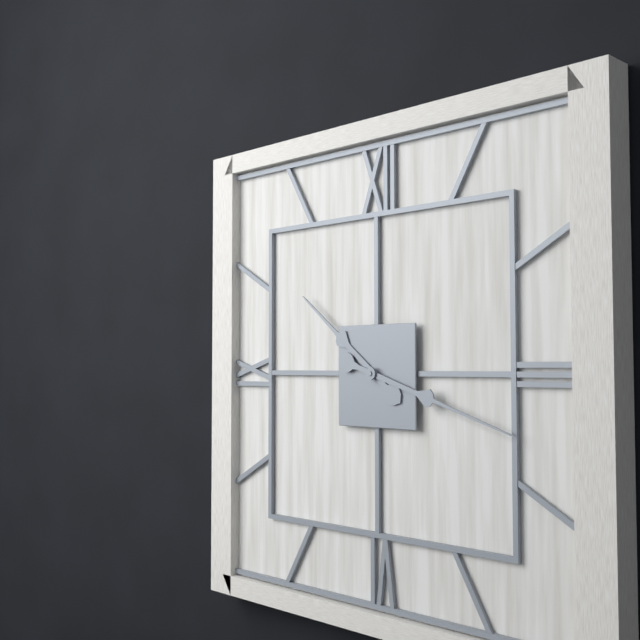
10,18
